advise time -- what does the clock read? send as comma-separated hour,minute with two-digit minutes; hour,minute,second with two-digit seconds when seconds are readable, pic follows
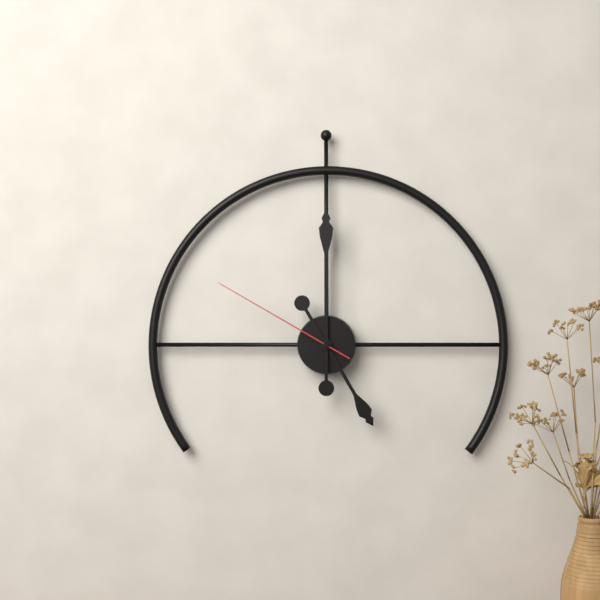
5,00,50
